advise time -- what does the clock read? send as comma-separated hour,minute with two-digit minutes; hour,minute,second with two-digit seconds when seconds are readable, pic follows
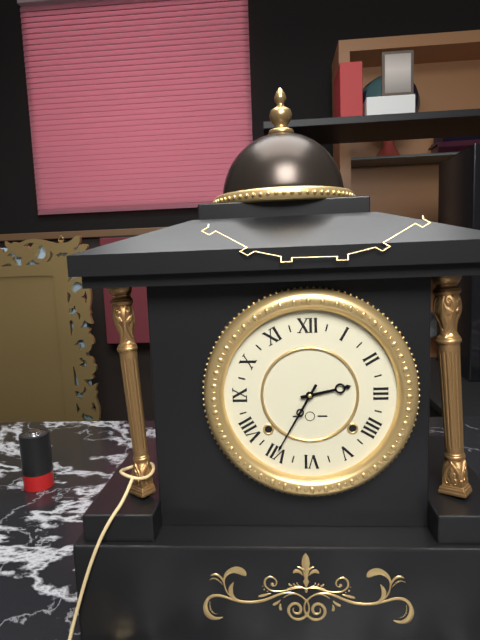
2,35
